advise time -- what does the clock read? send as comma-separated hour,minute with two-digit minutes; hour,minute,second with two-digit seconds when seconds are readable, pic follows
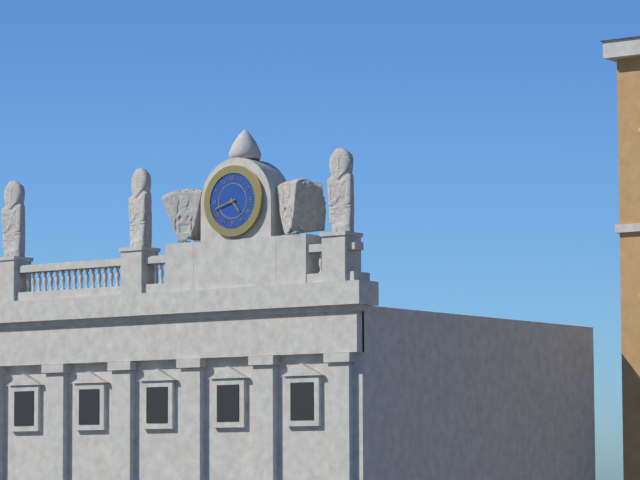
4,42
